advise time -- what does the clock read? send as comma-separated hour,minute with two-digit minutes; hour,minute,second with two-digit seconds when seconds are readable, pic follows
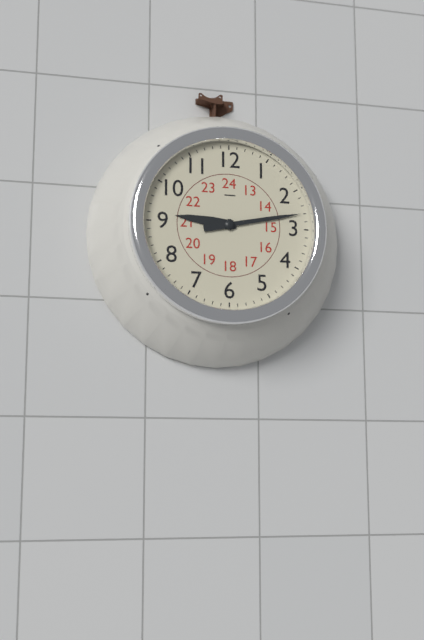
9,13
